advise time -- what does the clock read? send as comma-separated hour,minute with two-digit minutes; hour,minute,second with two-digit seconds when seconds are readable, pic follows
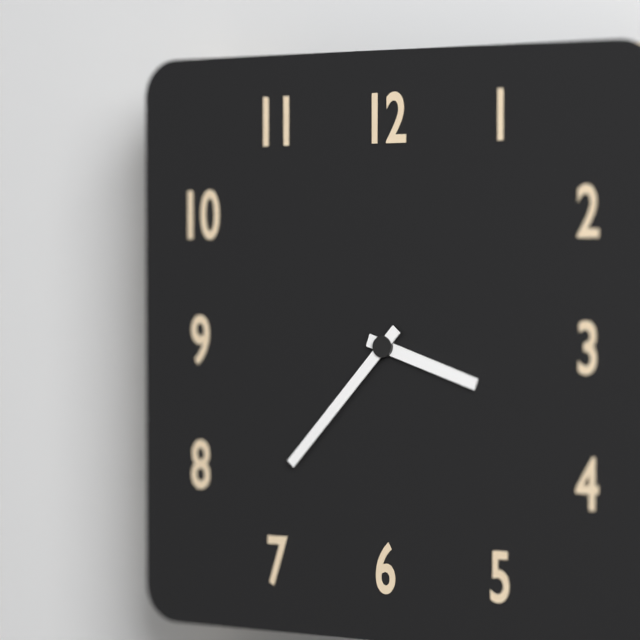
3,37
